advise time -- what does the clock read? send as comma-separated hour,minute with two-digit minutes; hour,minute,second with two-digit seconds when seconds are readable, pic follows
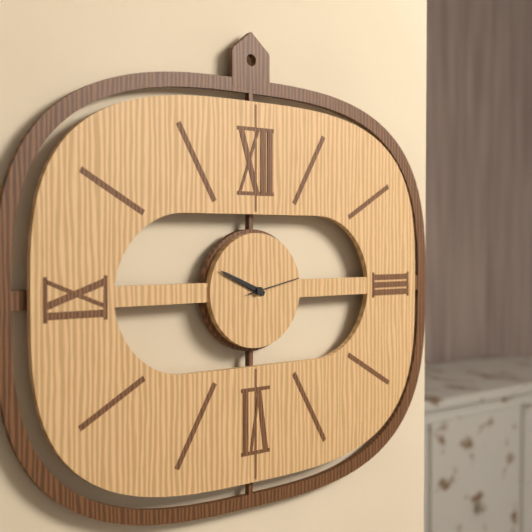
9,49,13
